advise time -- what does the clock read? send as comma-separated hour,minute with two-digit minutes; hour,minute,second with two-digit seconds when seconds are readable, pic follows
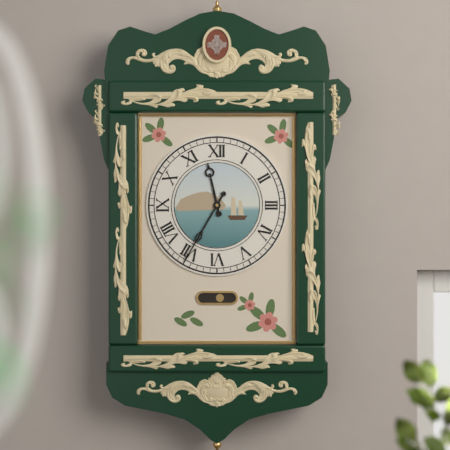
11,35
